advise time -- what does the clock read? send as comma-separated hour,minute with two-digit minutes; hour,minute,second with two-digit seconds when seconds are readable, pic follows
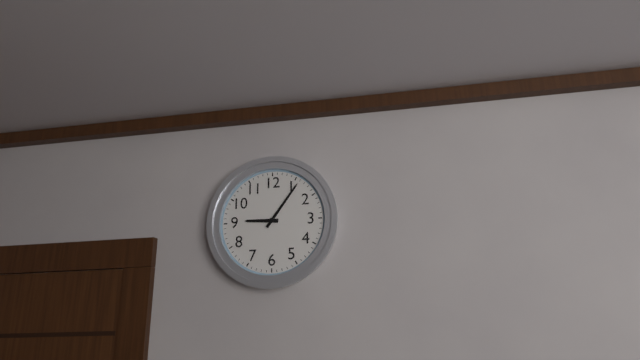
9,06
